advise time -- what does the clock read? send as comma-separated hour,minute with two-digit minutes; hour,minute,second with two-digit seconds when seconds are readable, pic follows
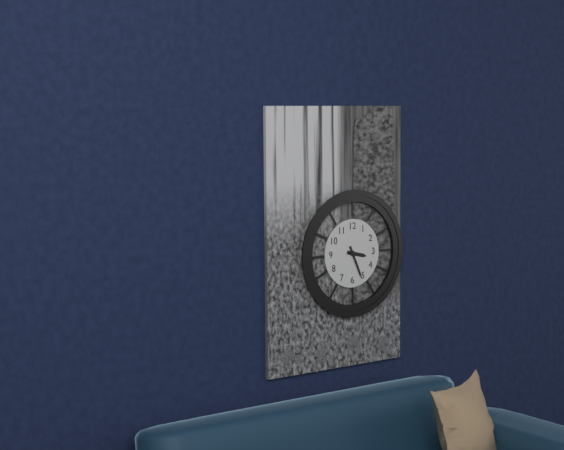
3,26
